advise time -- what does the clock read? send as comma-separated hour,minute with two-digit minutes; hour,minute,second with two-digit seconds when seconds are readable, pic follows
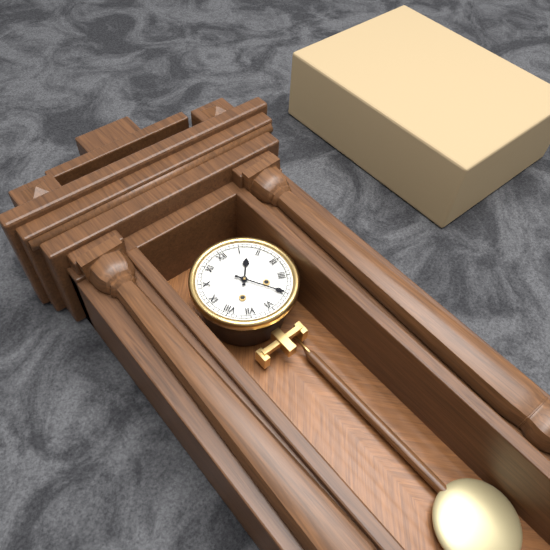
1,25
